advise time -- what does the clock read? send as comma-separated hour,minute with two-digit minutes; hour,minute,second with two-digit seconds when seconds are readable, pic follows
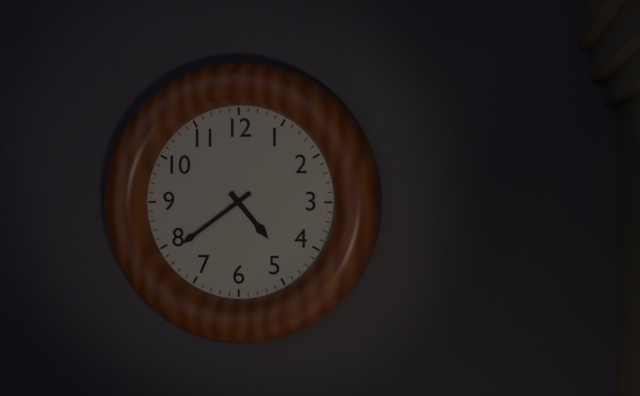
4,39
